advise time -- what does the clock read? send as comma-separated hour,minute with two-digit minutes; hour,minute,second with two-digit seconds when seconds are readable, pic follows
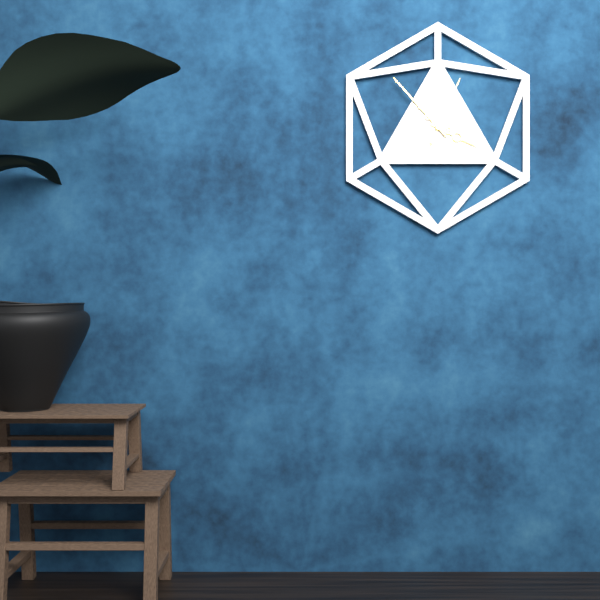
3,53,04
